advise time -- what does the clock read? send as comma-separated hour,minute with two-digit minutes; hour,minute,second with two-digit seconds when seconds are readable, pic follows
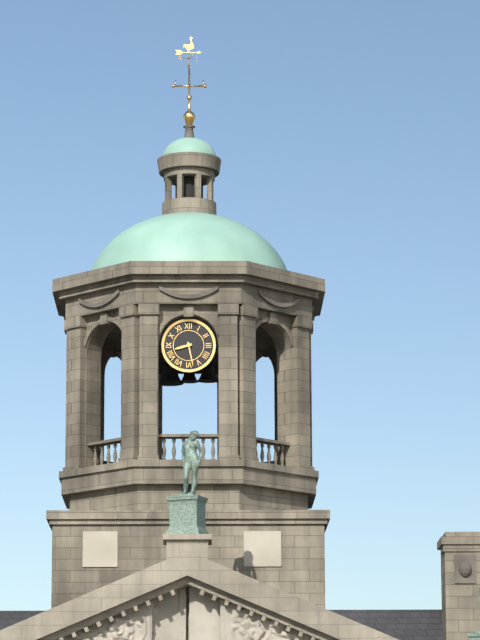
8,28
